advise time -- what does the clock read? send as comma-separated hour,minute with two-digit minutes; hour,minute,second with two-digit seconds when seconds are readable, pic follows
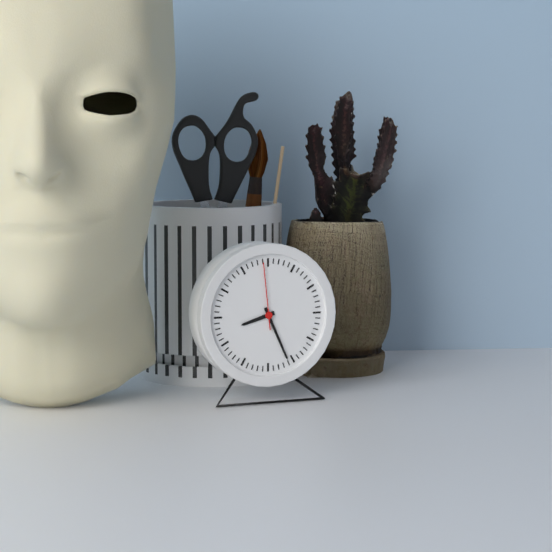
8,26,59
